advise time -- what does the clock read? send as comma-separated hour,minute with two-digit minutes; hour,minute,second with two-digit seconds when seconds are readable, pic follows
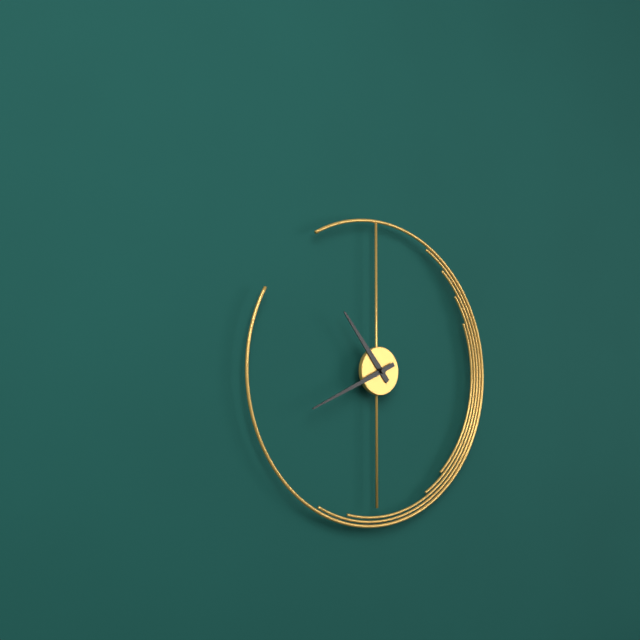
10,41
